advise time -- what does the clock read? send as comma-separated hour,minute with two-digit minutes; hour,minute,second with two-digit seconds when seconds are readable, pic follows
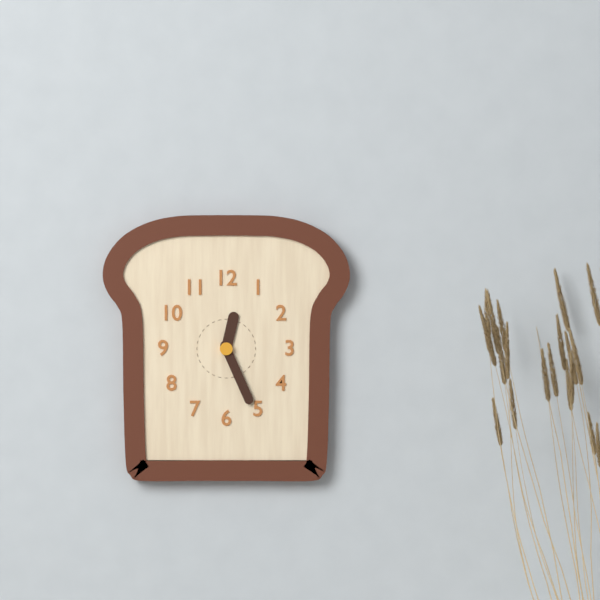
12,26
